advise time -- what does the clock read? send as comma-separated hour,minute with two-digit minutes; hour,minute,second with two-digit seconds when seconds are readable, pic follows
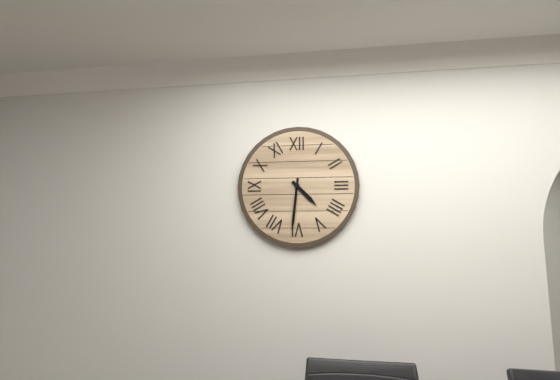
4,31
